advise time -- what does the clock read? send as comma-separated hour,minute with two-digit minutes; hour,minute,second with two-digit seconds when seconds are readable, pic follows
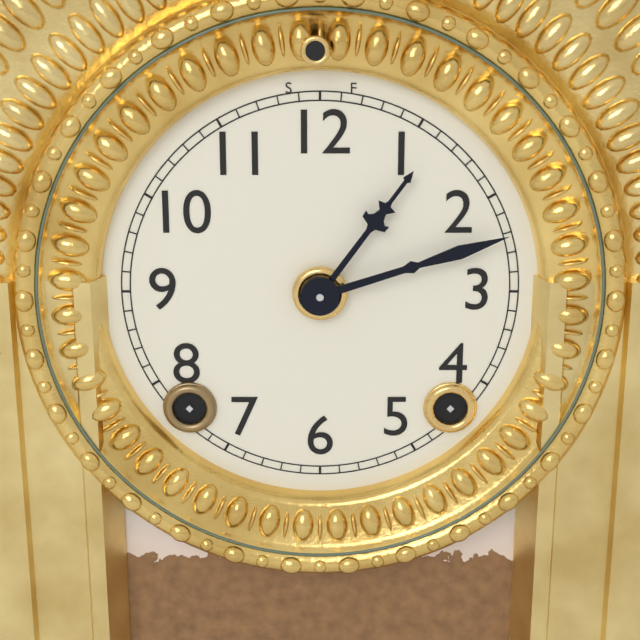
1,12
